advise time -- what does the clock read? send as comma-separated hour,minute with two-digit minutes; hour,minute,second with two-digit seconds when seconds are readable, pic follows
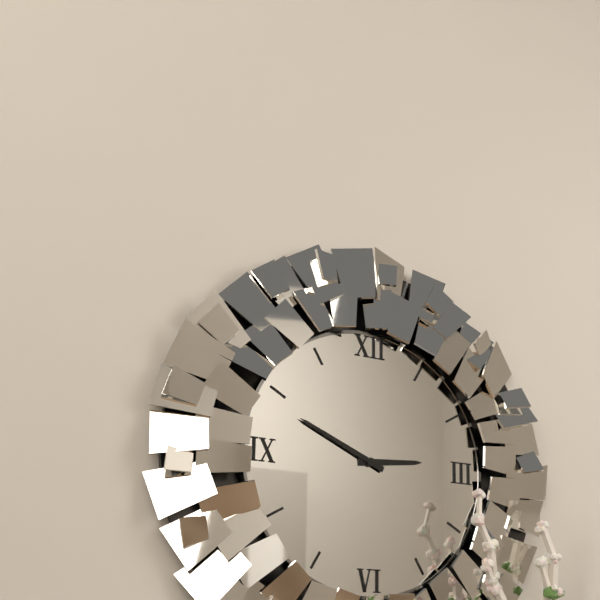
2,49
